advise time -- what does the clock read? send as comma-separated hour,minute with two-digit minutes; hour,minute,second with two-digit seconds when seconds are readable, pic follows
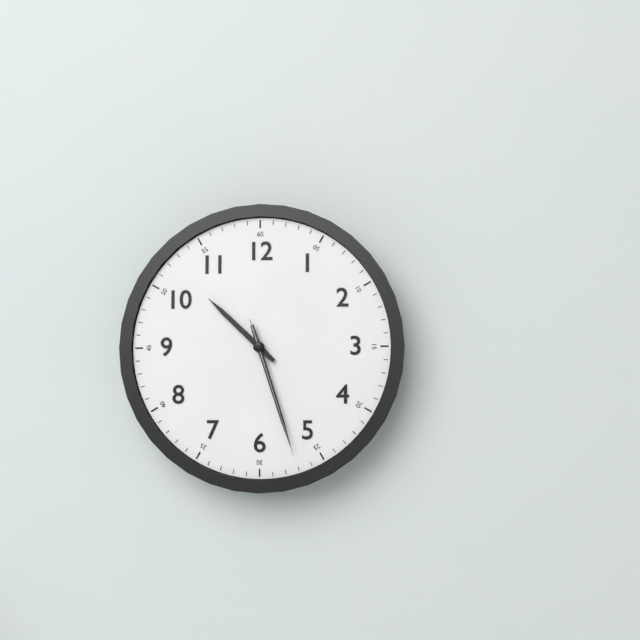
10,27,27
